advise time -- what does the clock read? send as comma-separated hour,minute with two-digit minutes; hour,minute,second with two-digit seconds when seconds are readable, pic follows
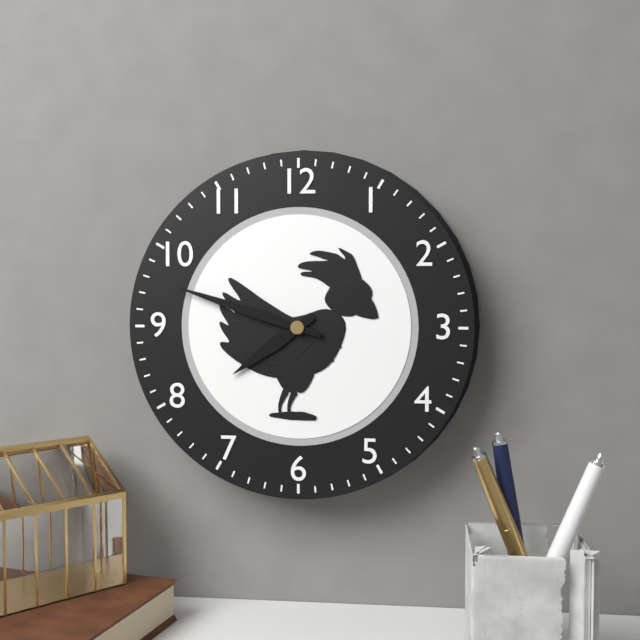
7,48
